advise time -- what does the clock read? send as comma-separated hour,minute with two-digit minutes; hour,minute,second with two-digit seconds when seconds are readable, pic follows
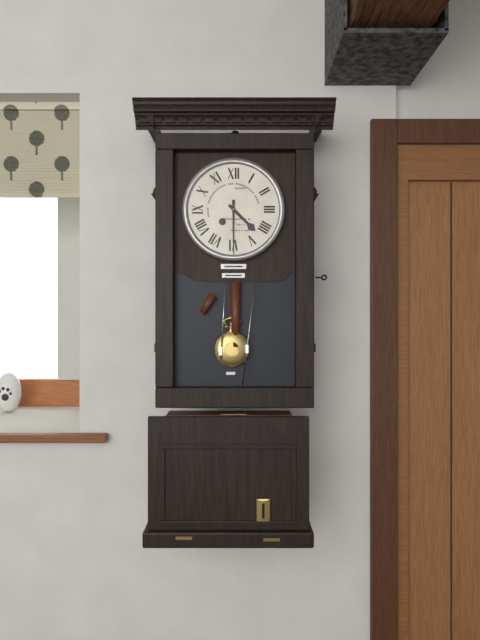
4,30
